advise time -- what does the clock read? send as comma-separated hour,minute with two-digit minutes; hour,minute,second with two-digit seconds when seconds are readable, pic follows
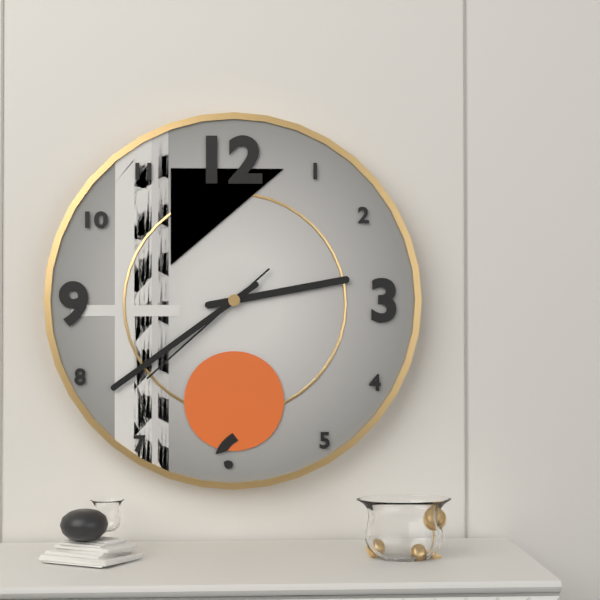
2,39,38
